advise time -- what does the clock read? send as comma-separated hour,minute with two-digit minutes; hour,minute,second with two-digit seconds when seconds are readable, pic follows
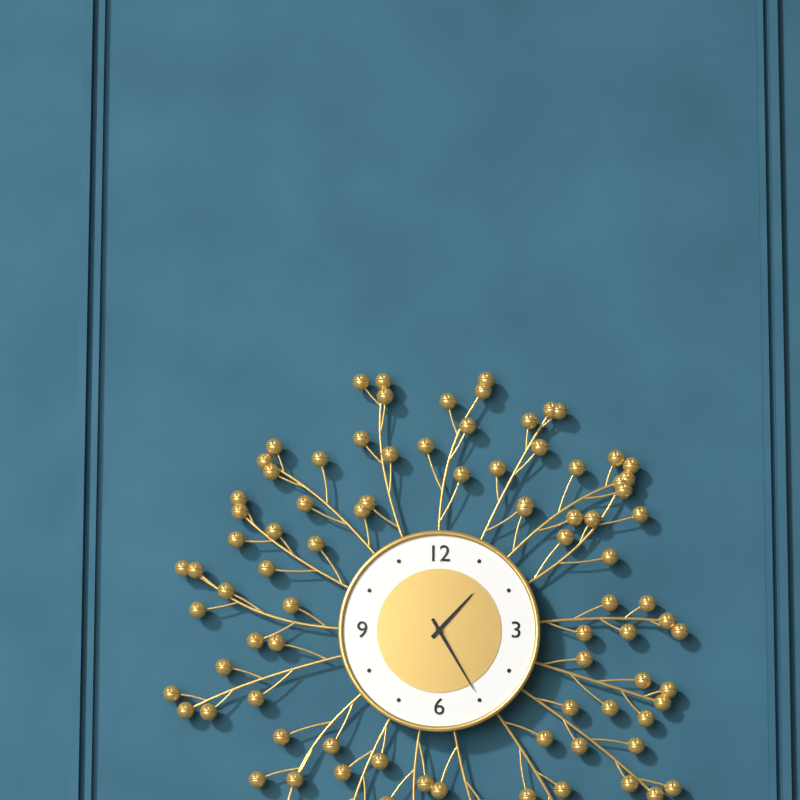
1,25
